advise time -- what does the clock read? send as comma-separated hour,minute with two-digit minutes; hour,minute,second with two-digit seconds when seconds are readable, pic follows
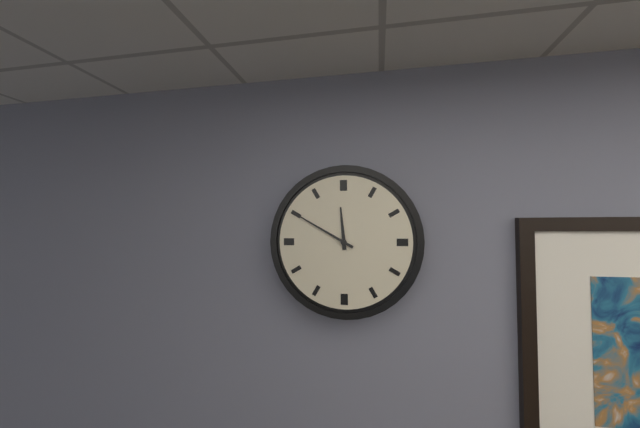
11,50
